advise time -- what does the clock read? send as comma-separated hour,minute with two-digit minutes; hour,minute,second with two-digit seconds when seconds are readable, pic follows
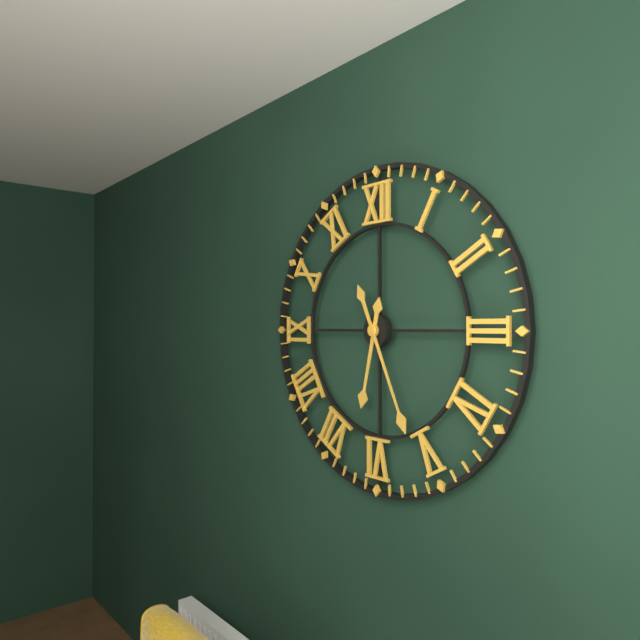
6,26
